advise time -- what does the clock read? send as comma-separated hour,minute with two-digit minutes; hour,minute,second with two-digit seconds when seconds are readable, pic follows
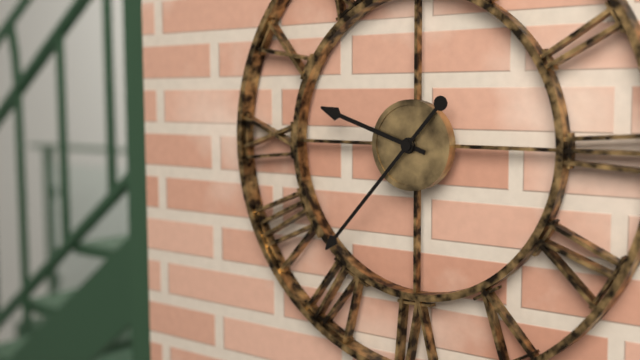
9,37
